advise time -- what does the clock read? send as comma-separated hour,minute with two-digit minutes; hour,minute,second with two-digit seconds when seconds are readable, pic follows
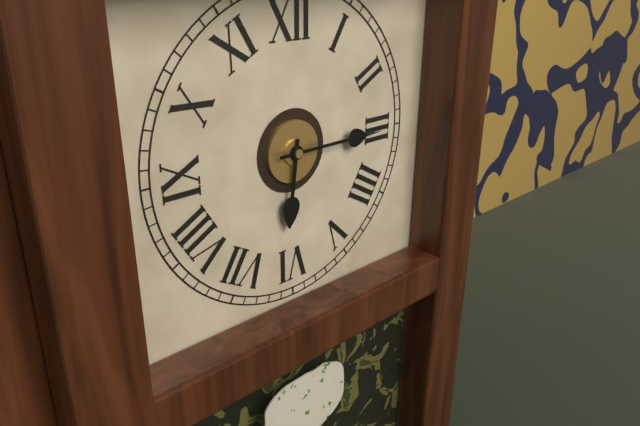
6,15
